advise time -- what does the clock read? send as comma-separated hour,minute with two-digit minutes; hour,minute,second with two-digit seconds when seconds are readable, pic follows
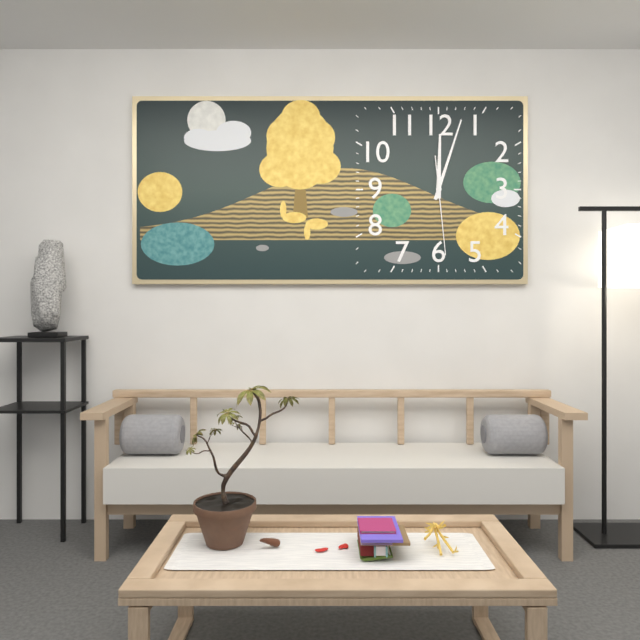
12,03,29
